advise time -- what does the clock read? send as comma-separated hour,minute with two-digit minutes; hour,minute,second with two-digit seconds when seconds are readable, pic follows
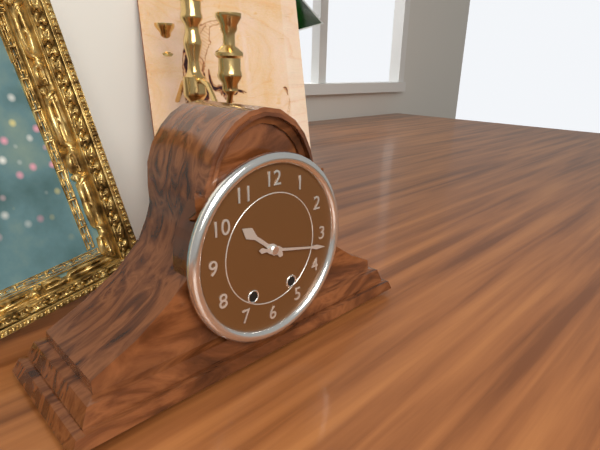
10,17
